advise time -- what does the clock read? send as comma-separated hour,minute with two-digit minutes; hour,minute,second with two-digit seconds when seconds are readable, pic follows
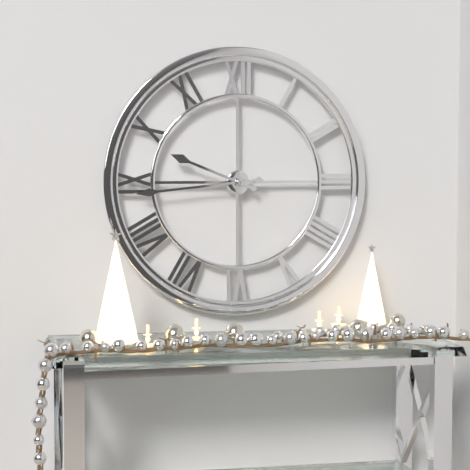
9,44
